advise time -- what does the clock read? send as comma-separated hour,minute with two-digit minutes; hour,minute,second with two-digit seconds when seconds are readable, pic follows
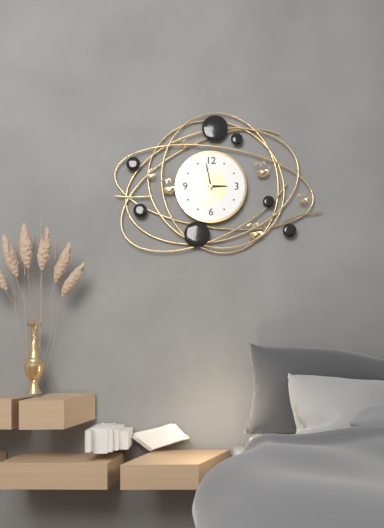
2,58
